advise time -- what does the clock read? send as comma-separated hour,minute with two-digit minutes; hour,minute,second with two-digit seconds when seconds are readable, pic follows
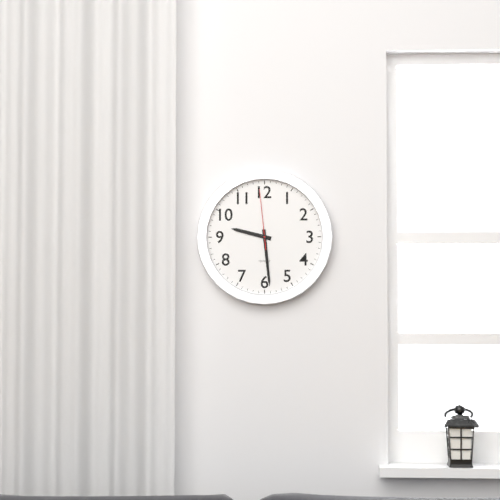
9,29,59
